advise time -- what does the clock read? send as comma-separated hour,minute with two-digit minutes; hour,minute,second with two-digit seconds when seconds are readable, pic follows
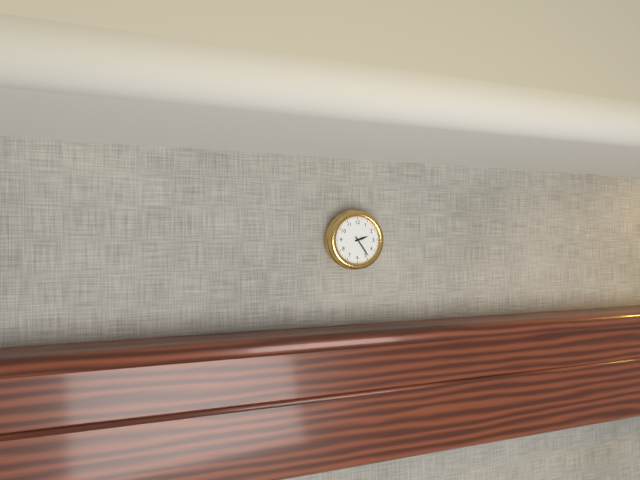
2,24
